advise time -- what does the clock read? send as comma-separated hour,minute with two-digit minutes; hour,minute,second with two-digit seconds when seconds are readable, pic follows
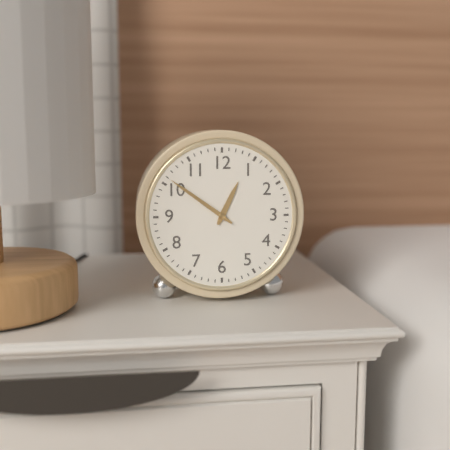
12,51
